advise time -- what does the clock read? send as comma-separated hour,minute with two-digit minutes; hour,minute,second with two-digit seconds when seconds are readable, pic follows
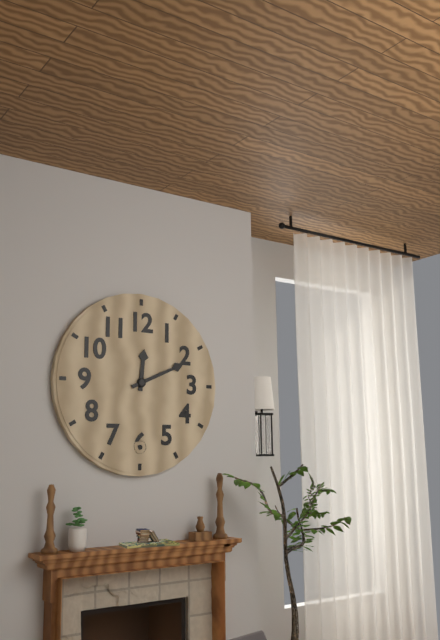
12,11
